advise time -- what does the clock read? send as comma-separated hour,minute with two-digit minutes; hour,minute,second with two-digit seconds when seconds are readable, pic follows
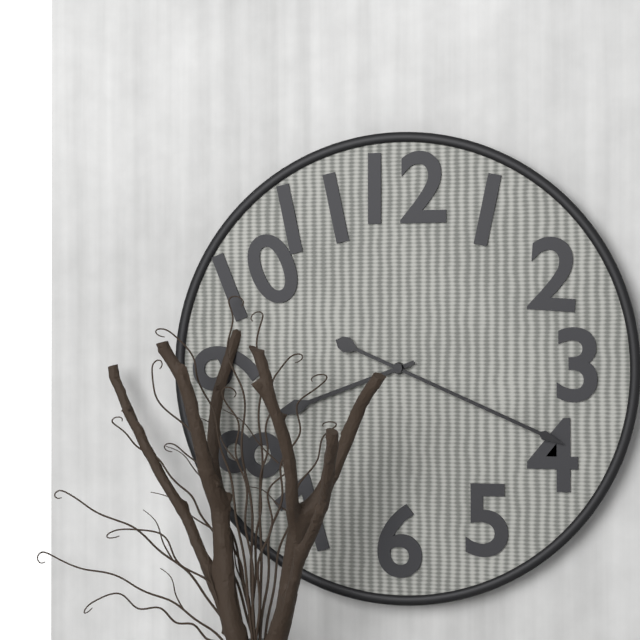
8,19
